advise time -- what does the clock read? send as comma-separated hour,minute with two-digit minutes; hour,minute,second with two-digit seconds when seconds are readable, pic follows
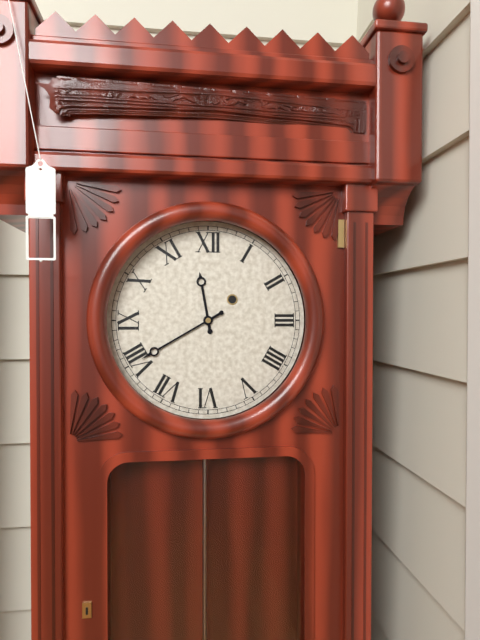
11,40
